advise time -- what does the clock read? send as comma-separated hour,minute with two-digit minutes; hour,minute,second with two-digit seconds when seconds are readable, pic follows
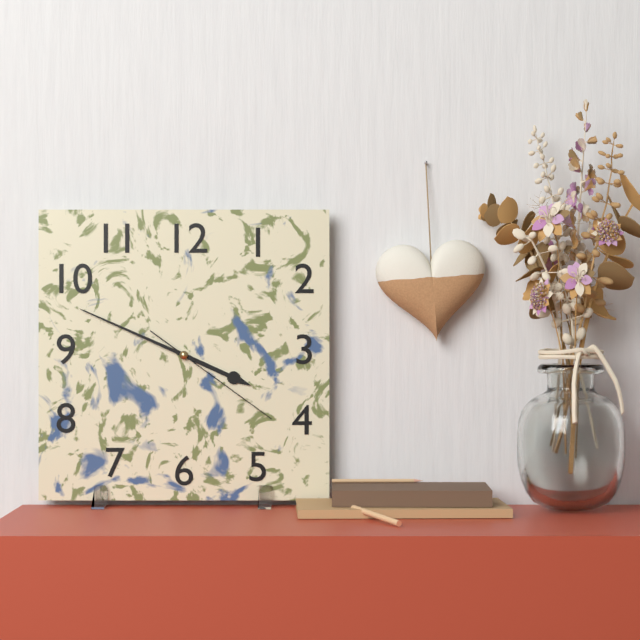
3,49,21
